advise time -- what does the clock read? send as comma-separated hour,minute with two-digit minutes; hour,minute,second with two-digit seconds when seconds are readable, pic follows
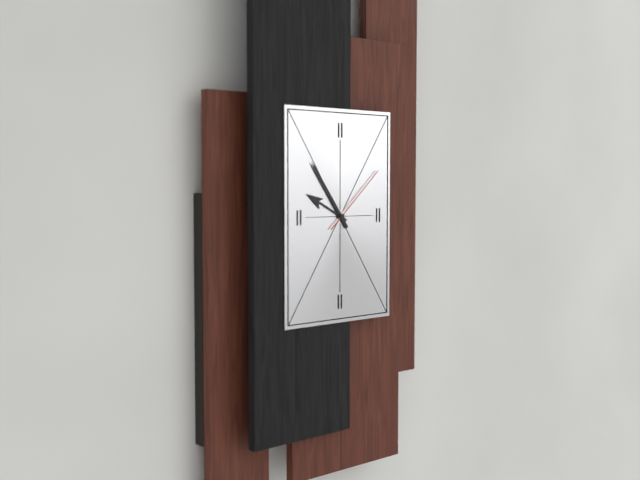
9,54,08
